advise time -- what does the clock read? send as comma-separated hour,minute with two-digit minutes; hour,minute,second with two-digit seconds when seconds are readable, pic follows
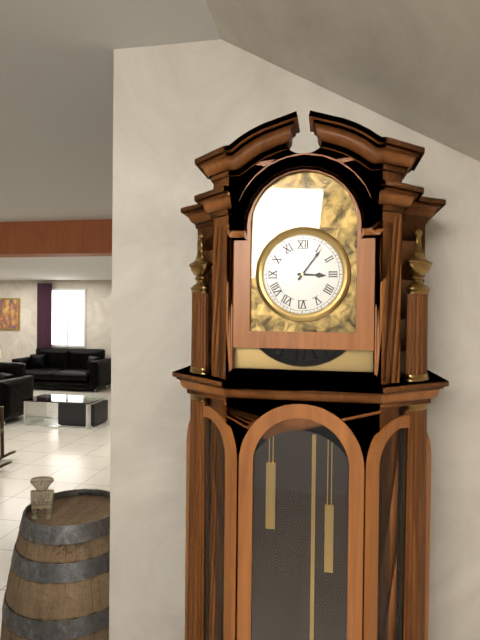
3,06
